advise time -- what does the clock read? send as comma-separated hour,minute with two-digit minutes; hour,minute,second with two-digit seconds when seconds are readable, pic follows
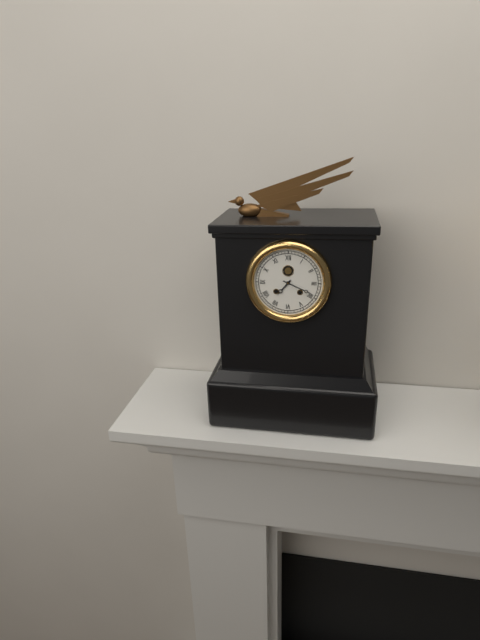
7,19
